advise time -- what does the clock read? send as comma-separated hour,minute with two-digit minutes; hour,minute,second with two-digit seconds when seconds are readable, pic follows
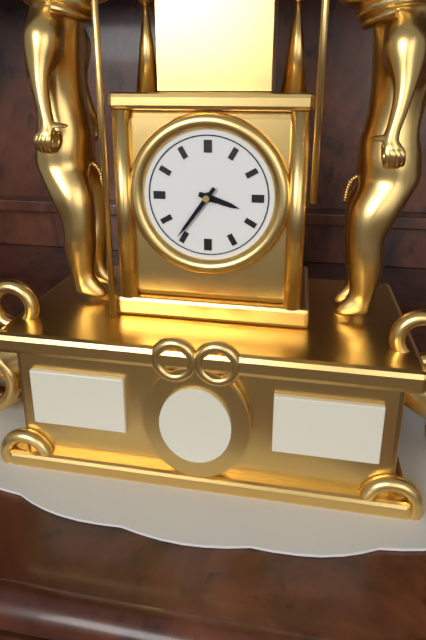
3,36
